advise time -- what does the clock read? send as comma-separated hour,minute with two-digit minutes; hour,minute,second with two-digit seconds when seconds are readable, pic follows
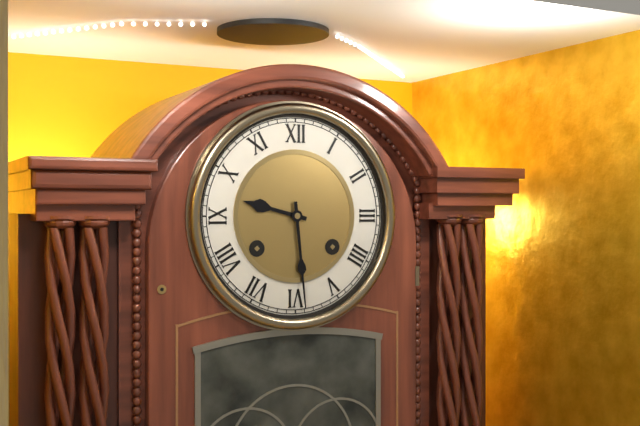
9,29
